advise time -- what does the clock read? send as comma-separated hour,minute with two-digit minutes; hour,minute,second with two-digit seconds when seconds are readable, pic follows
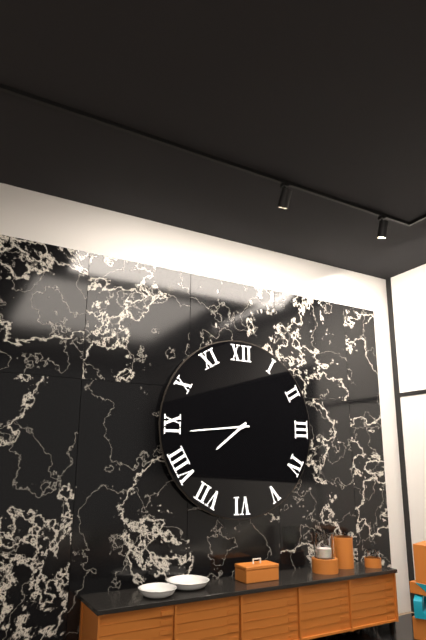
7,44
